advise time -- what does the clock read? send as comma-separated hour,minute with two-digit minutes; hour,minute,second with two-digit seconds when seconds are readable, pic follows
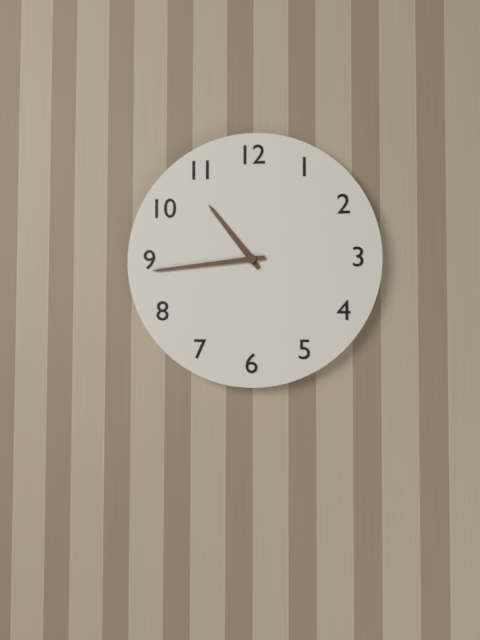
10,44
